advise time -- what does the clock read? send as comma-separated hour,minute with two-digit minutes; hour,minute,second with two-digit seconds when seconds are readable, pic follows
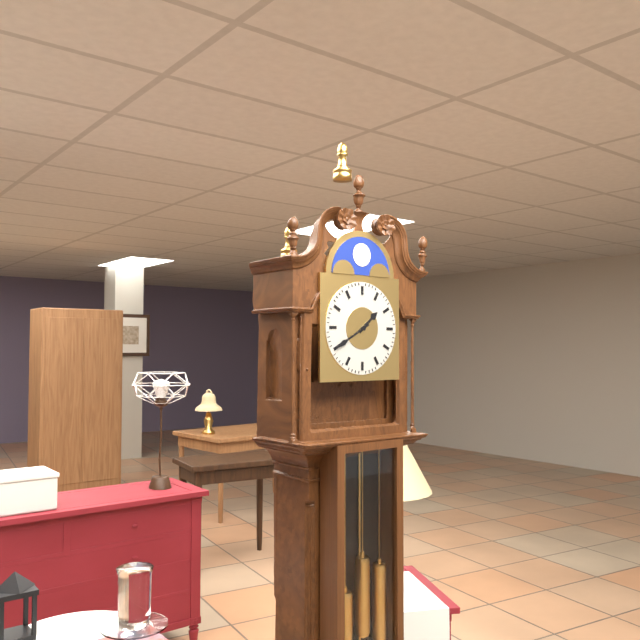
1,40
